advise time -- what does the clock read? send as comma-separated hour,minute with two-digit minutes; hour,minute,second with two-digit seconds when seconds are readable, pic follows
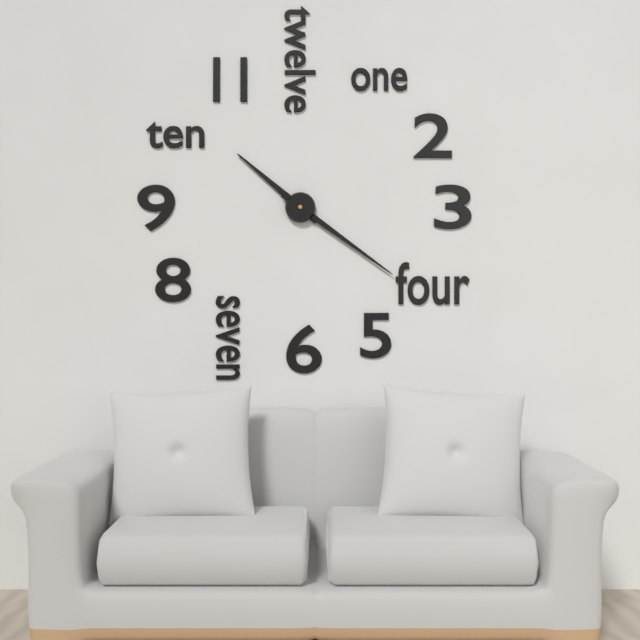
10,21
